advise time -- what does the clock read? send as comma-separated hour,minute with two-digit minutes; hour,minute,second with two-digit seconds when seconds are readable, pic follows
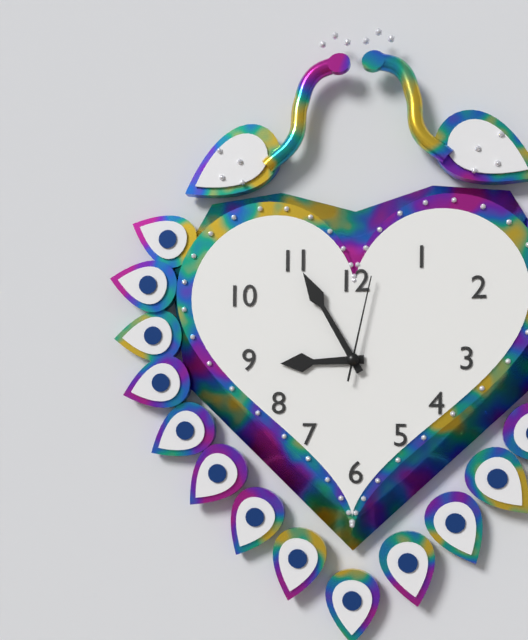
8,55,02
